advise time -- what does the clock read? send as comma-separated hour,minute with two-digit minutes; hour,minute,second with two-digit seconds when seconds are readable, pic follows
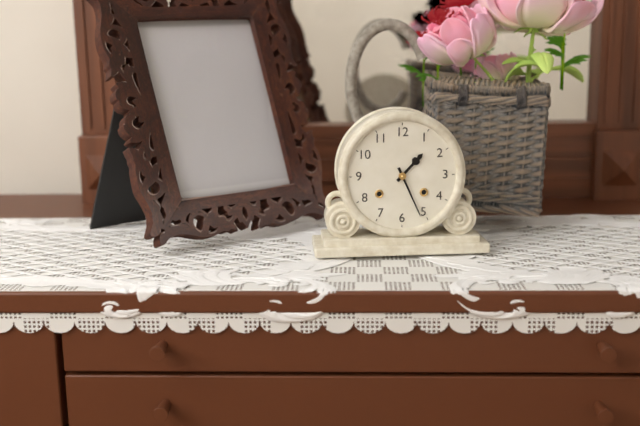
1,26
